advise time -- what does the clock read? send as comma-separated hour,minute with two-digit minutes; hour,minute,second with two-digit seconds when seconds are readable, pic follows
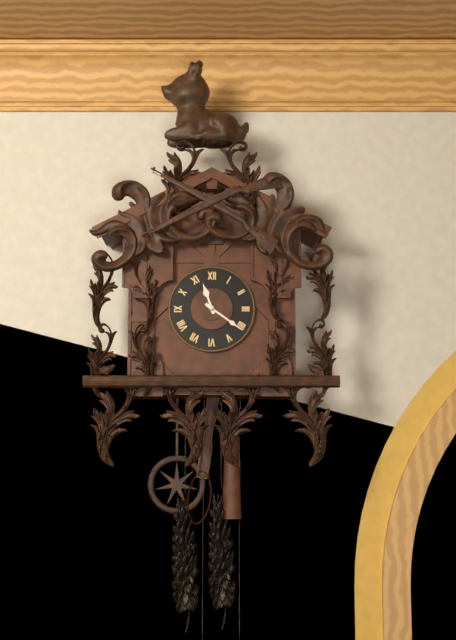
11,21
